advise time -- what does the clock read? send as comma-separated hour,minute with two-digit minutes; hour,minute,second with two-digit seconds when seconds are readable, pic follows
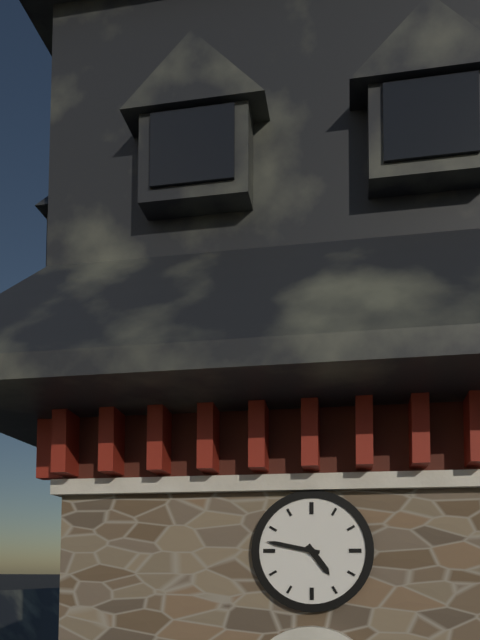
4,47
